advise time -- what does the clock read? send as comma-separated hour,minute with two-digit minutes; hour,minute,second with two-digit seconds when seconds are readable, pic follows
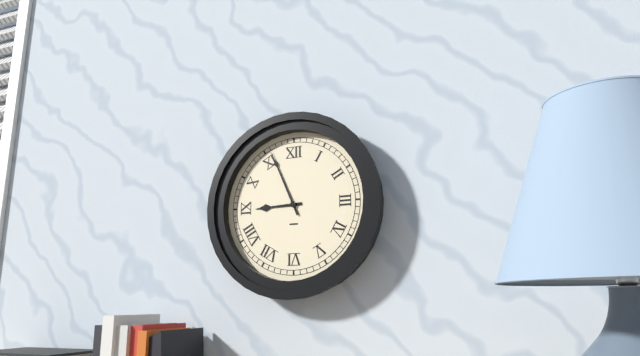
8,56
